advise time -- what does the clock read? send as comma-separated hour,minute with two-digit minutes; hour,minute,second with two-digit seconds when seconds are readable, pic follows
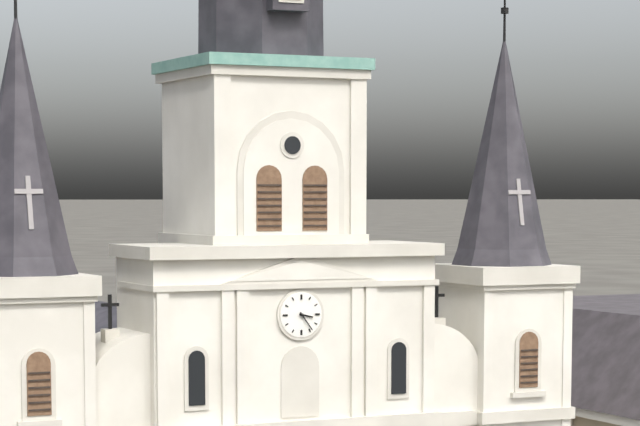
3,24
